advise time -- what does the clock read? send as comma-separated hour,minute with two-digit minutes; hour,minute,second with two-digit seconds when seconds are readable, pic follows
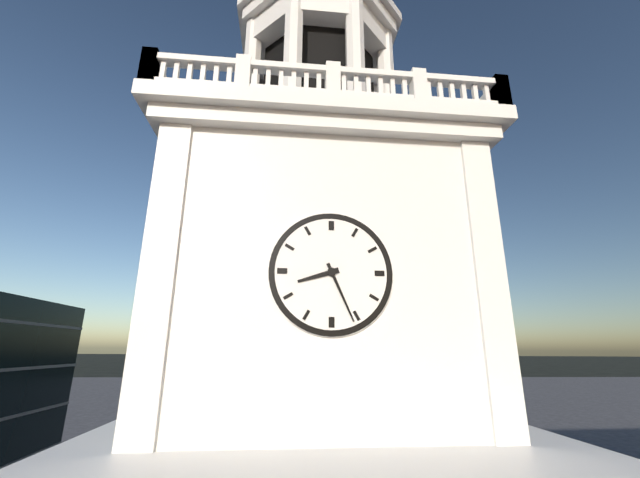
8,26
